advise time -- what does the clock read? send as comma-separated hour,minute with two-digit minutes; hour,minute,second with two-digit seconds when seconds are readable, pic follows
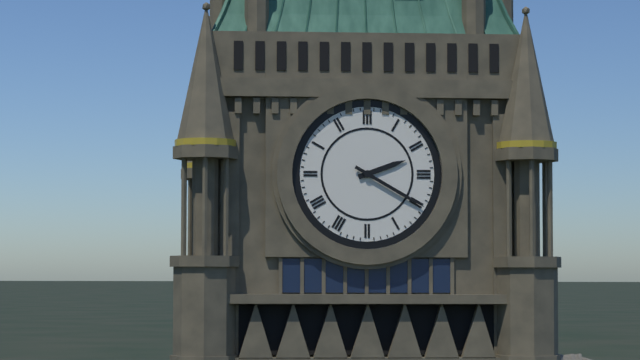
2,20
